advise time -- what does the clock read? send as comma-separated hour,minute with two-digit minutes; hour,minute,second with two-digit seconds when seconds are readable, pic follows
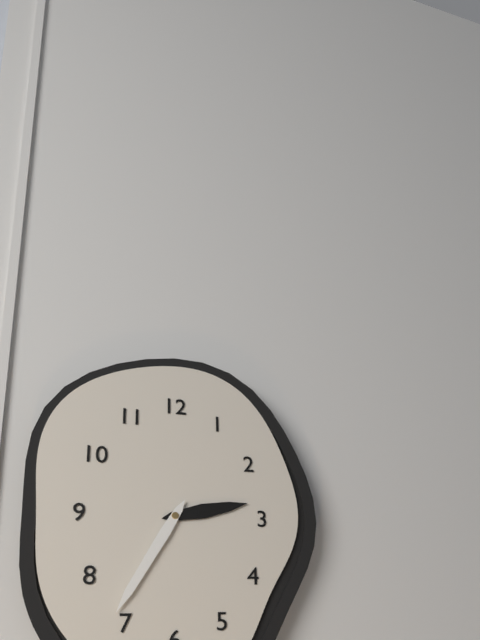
2,35
